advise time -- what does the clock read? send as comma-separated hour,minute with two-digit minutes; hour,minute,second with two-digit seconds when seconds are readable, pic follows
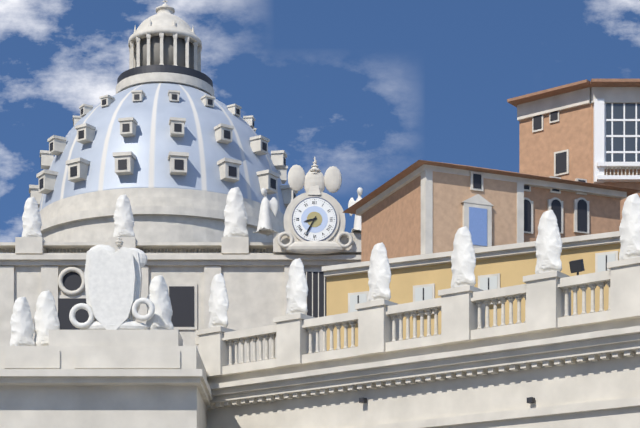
8,35
